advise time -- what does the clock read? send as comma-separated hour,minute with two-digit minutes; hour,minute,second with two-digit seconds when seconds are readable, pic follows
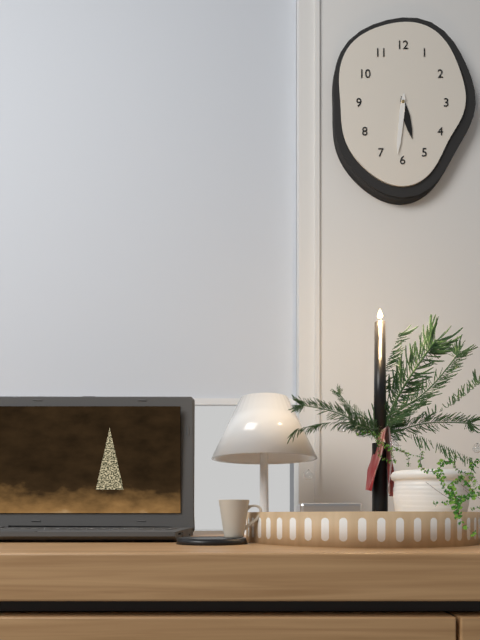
5,31
